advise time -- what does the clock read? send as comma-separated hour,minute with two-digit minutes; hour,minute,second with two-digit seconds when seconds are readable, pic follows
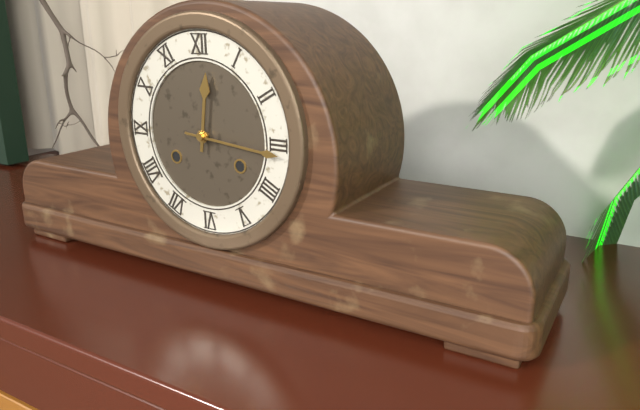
12,16
